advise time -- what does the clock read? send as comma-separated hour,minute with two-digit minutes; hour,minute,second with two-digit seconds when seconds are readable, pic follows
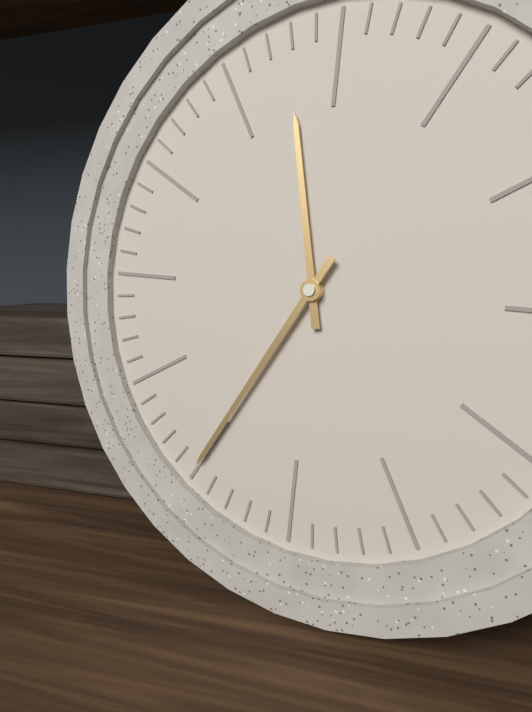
11,35
